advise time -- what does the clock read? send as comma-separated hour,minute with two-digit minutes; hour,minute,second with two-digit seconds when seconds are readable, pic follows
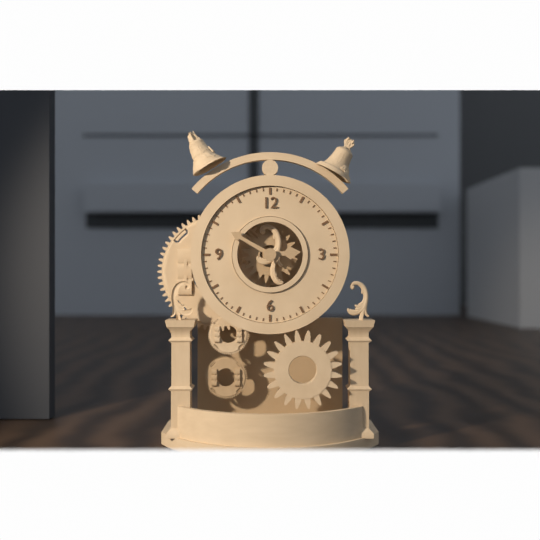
2,50
